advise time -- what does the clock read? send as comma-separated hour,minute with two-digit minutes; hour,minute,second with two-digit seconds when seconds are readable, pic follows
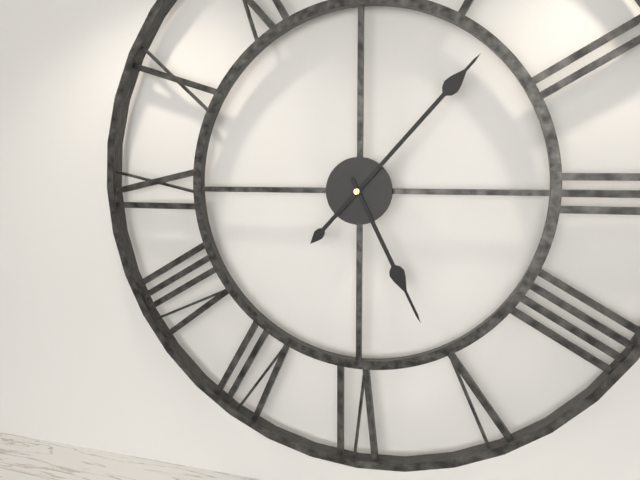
5,07
